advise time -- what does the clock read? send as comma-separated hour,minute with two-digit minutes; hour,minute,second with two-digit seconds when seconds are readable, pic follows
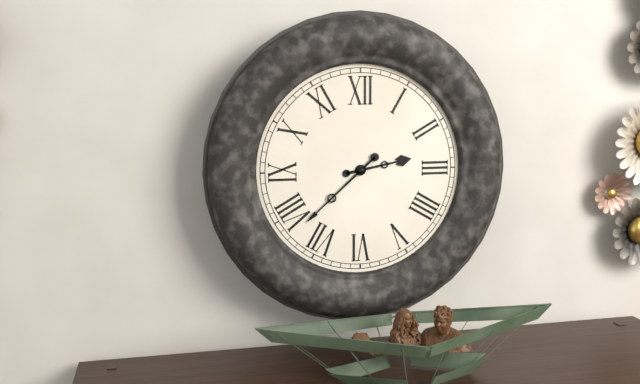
2,38
